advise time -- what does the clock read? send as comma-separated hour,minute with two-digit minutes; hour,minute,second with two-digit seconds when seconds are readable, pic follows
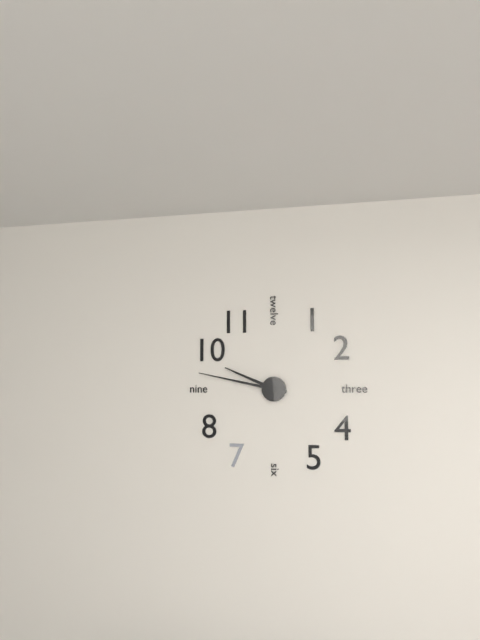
9,47
